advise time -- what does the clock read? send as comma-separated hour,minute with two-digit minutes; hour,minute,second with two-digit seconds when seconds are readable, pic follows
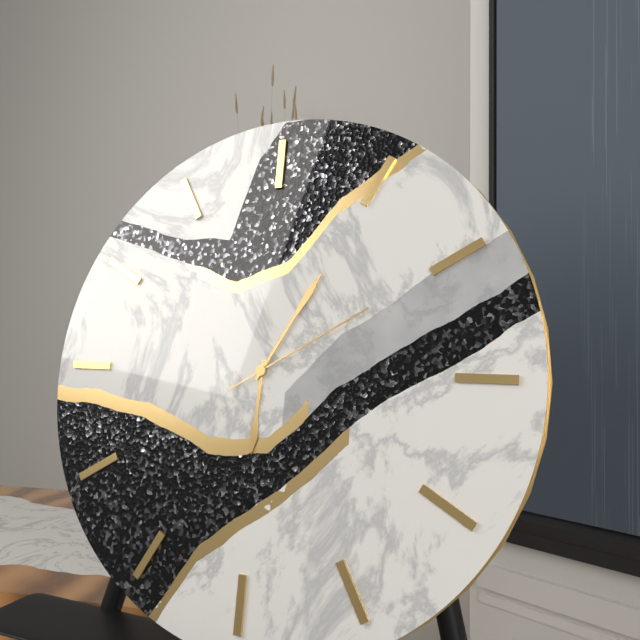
6,05,10
